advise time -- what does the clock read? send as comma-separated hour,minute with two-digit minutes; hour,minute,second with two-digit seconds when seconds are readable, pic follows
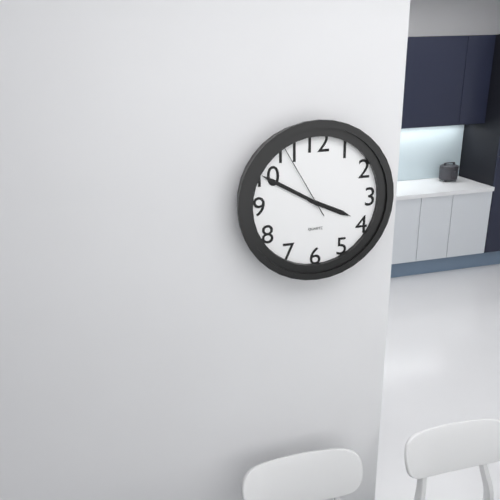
3,50,55
